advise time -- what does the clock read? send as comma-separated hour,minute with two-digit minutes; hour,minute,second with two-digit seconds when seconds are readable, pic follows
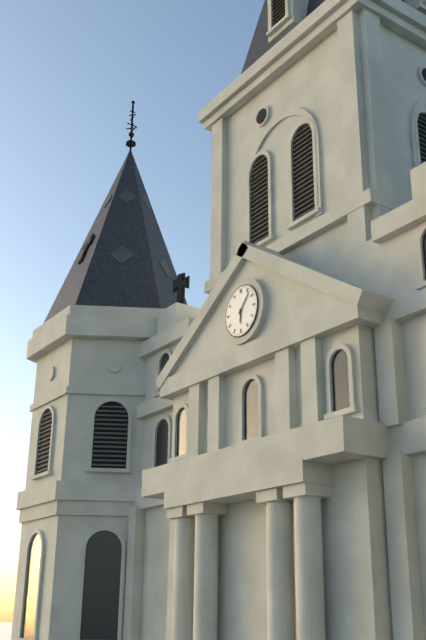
6,07
